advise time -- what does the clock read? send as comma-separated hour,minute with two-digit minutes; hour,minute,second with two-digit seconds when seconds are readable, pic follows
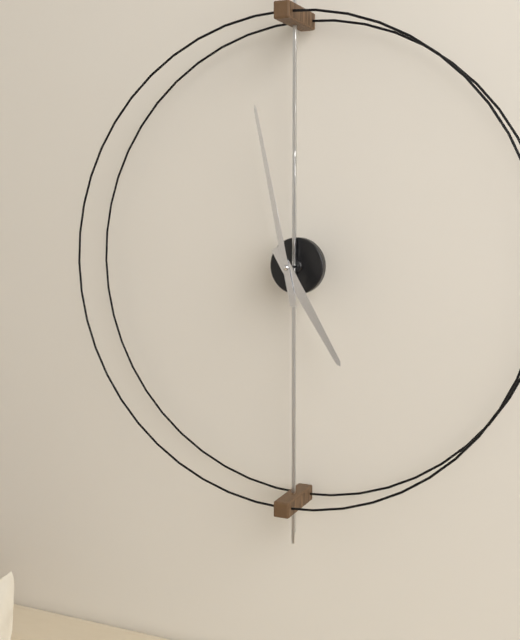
4,58
